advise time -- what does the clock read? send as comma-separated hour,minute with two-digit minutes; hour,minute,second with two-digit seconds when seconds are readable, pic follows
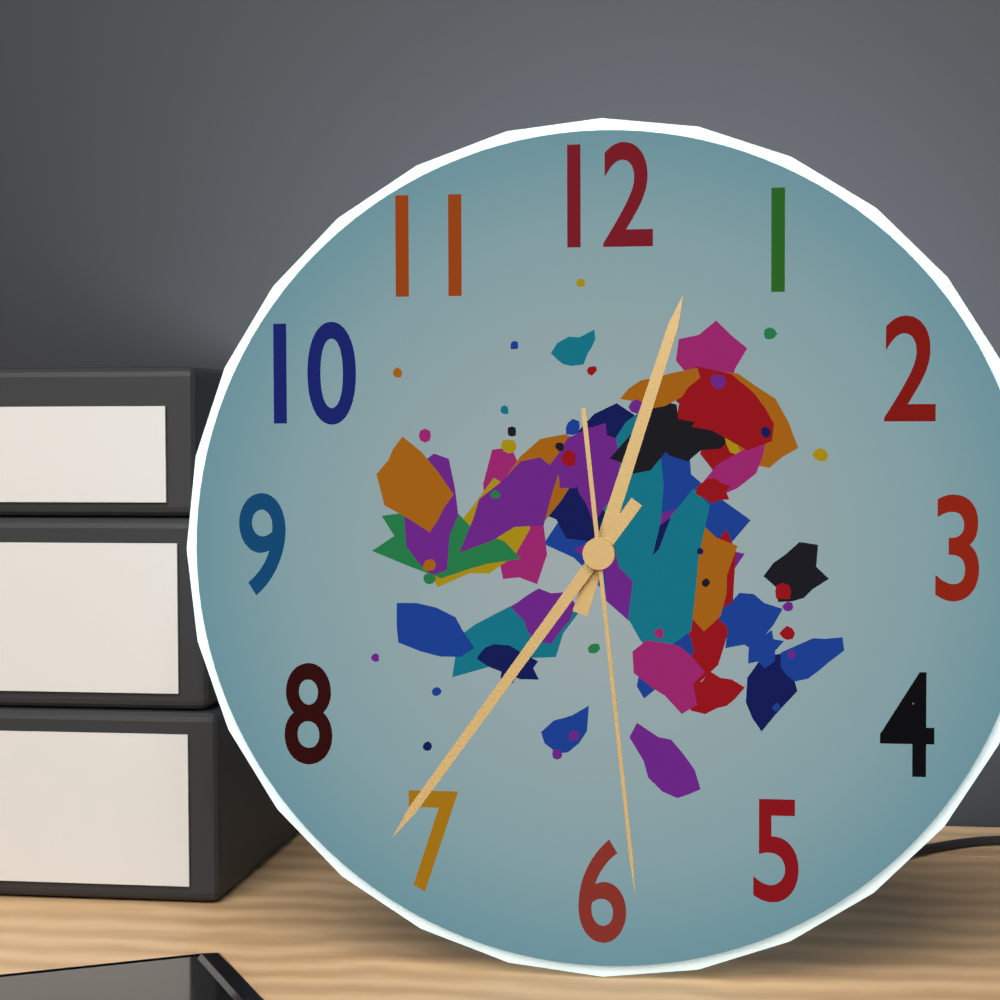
12,36,29
